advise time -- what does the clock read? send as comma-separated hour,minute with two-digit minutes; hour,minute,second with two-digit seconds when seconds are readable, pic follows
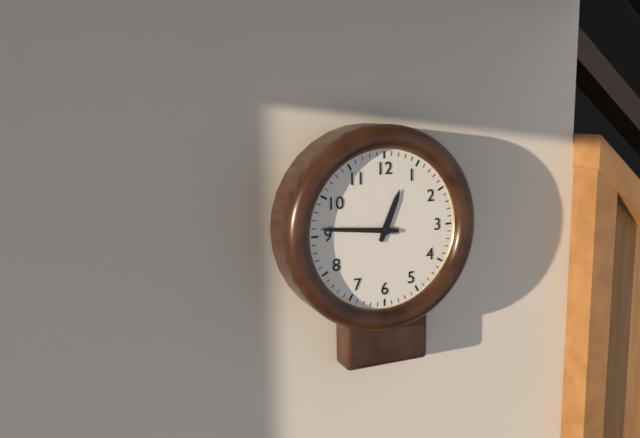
12,46
